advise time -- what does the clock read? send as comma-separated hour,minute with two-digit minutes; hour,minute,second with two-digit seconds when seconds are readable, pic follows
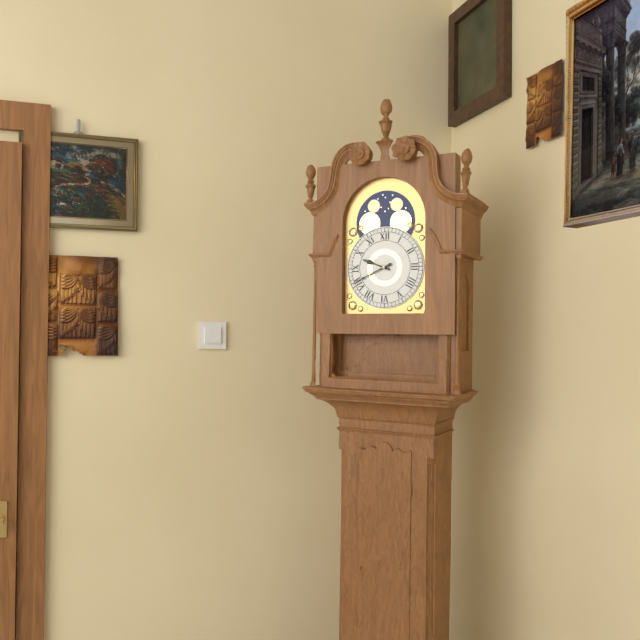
9,41
